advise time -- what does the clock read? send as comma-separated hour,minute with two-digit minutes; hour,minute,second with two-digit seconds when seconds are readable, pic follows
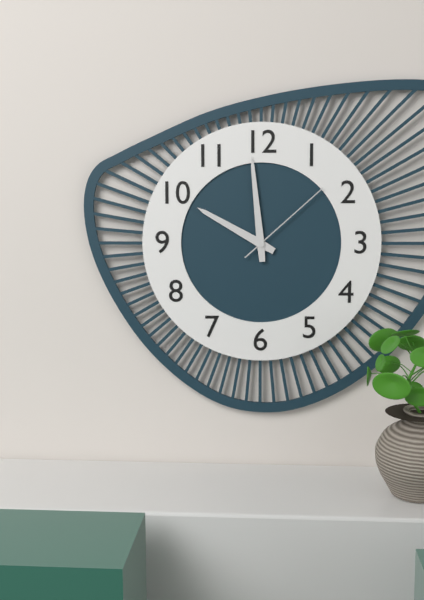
9,59,08
